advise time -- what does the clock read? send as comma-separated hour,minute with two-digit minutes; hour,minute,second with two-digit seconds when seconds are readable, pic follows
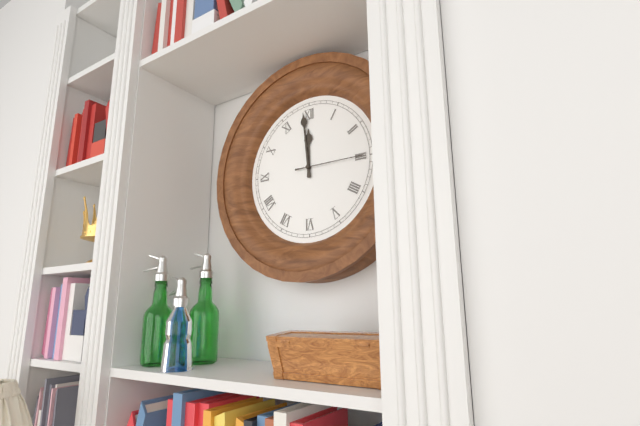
11,59,15
